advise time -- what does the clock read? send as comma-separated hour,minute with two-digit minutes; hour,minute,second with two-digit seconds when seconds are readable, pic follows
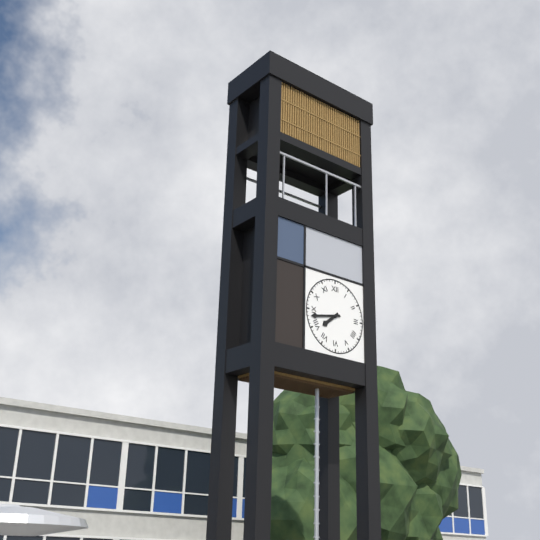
7,43
